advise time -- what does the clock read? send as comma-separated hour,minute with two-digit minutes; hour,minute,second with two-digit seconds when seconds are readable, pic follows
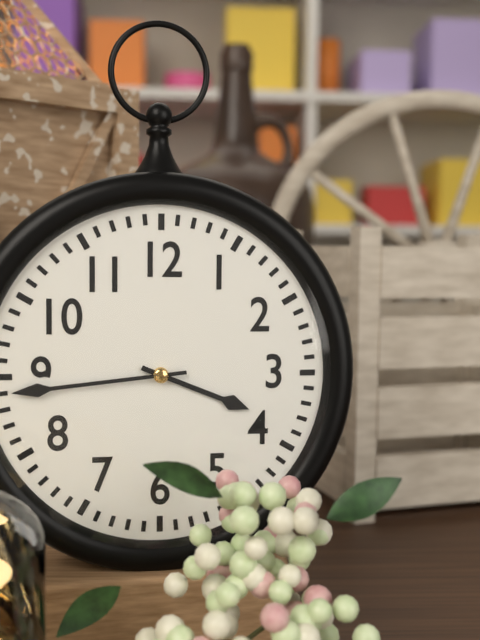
3,44
